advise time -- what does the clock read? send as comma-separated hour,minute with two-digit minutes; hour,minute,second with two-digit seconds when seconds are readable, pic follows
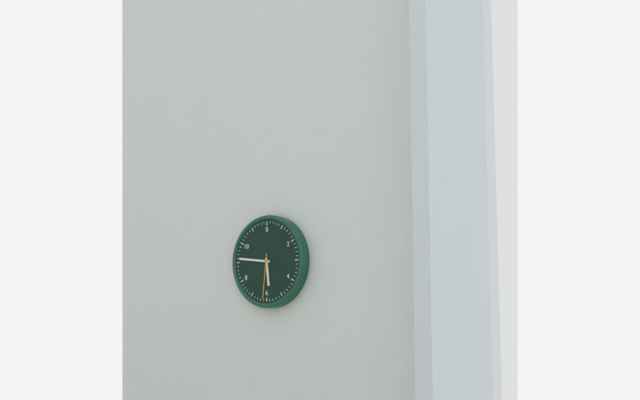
5,46
